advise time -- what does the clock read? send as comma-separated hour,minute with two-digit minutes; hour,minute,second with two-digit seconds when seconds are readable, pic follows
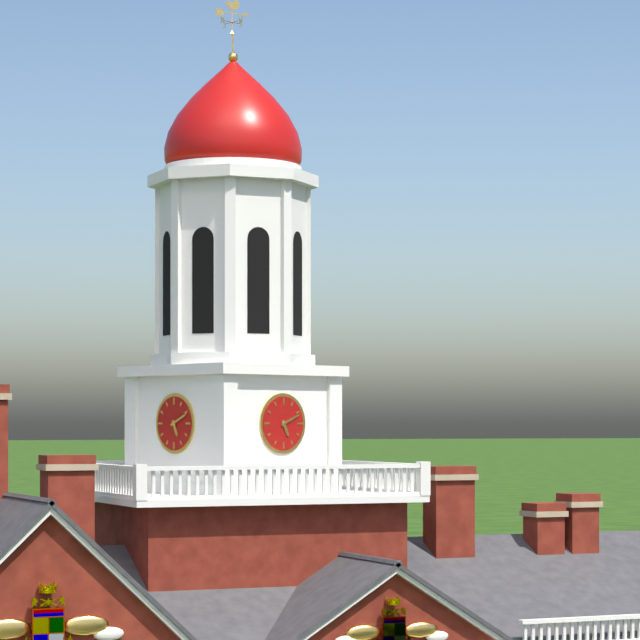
5,11
